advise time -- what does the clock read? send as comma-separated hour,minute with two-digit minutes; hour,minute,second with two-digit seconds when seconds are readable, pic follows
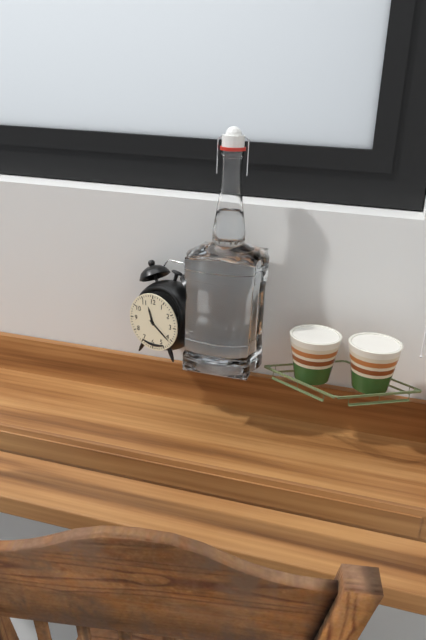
11,21
